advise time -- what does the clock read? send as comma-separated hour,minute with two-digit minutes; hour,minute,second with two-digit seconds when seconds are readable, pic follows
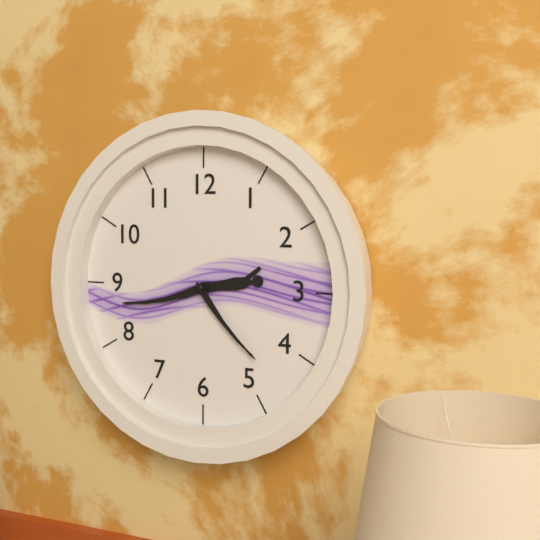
2,43,23
